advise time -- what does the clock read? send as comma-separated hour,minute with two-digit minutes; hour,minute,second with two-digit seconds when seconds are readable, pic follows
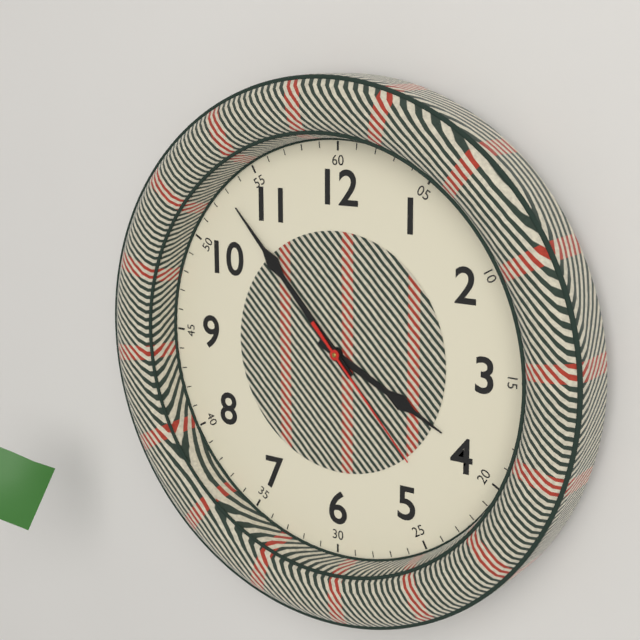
3,53,23
